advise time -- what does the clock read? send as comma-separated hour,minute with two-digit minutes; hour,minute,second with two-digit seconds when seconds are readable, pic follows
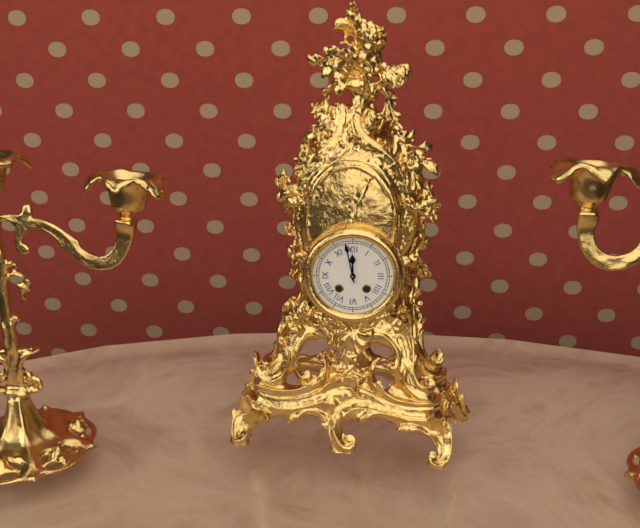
11,58
